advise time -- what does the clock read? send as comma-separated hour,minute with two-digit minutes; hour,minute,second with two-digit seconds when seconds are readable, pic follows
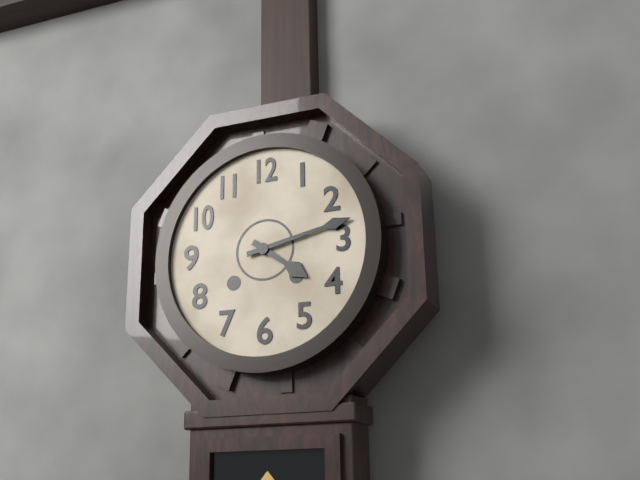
4,13
